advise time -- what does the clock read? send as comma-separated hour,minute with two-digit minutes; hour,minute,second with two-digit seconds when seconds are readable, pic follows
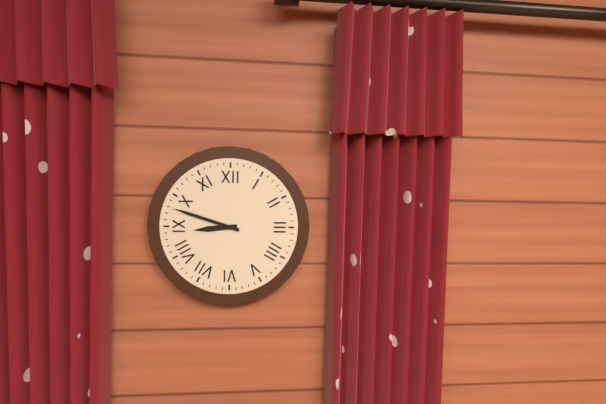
8,48
